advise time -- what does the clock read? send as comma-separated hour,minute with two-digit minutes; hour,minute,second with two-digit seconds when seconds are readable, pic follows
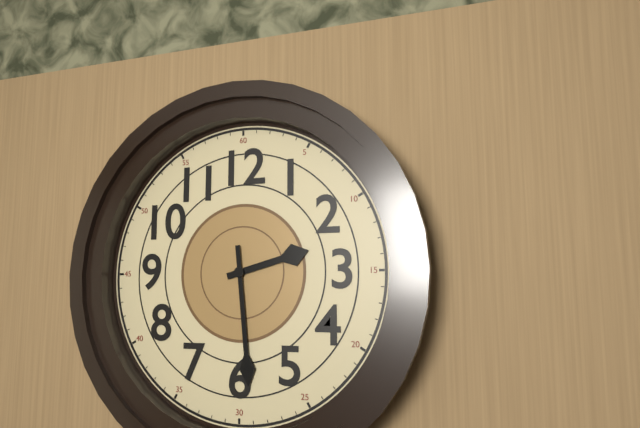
2,29
